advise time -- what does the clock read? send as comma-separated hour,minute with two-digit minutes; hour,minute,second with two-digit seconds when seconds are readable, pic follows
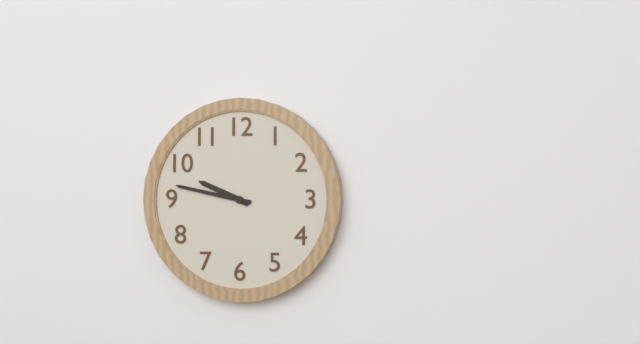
9,47
